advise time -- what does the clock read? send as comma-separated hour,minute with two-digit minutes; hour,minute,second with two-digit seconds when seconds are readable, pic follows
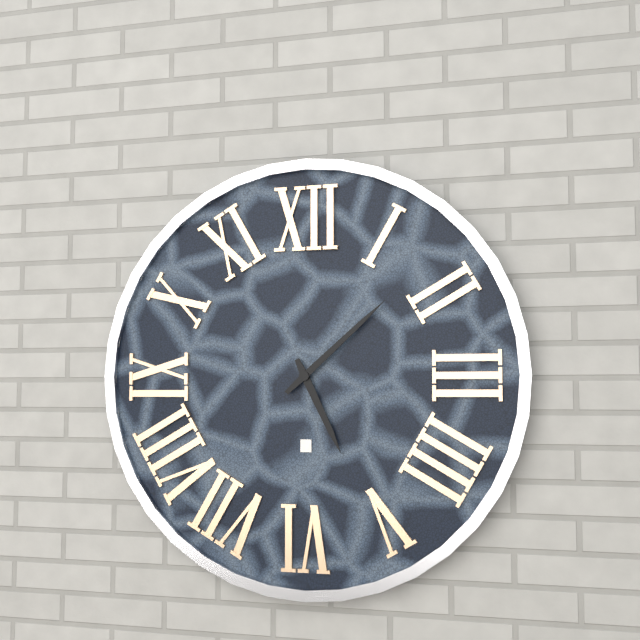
5,08
